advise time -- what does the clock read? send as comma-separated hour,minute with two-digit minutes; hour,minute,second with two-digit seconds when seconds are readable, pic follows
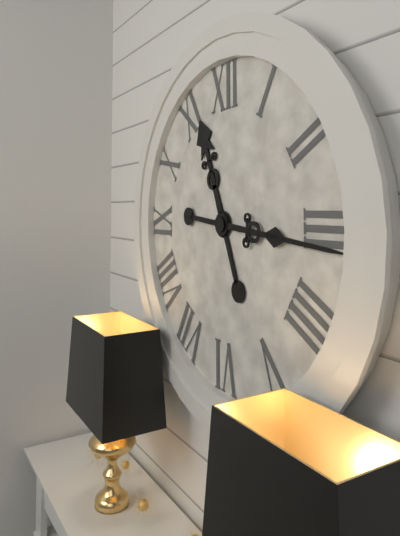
11,16
